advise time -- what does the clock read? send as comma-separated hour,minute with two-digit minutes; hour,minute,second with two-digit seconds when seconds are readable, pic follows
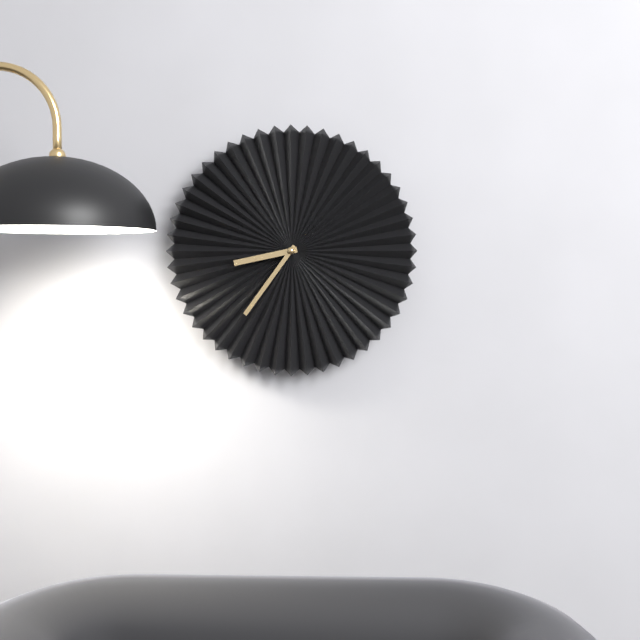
8,36
